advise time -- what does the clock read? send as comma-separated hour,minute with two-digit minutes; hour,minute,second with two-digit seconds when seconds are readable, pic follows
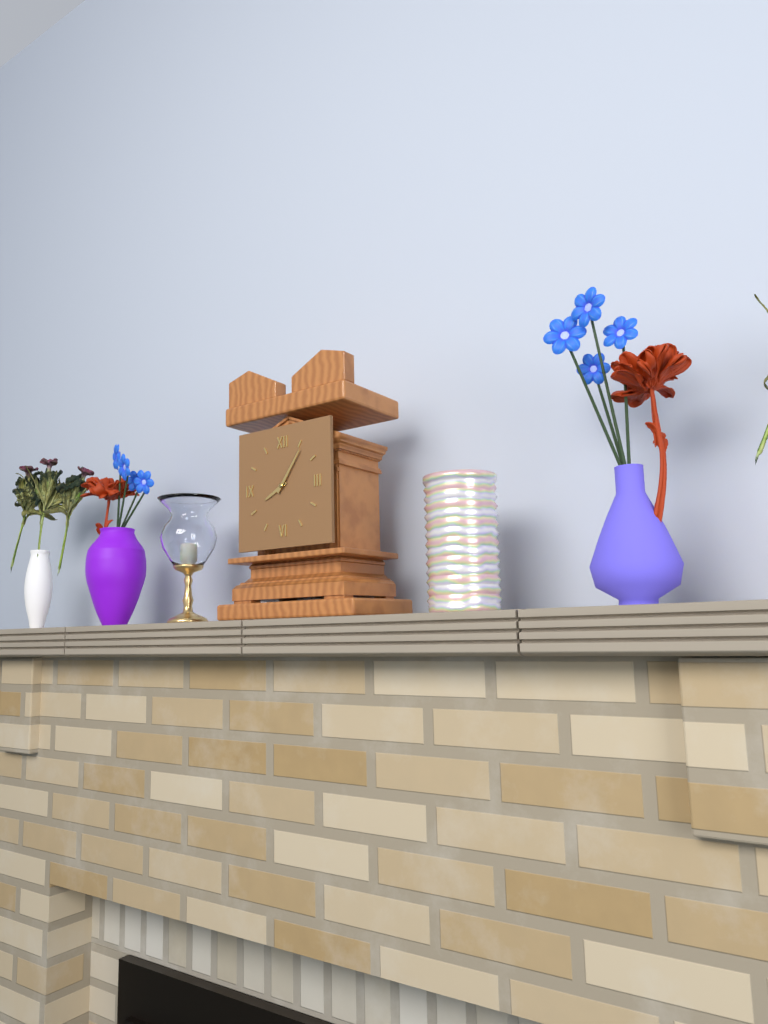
8,06
